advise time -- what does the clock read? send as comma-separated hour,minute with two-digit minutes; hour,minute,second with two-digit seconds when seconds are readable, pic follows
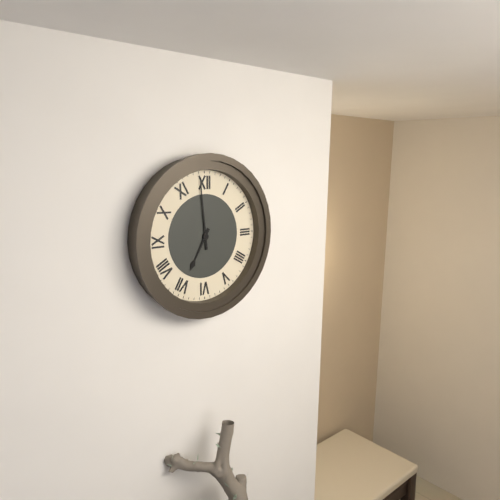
6,59
